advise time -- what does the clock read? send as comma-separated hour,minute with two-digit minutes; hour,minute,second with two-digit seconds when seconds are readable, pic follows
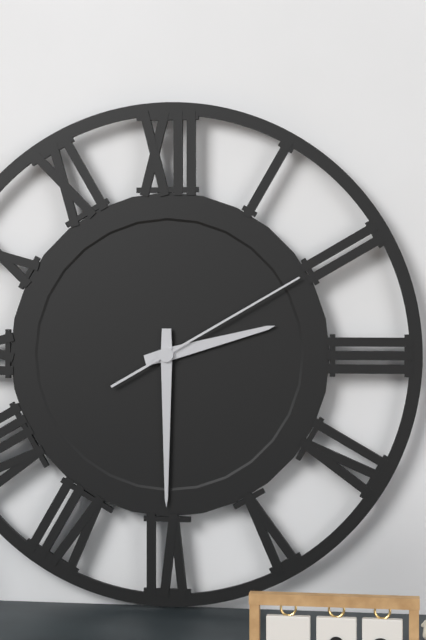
2,30,10
